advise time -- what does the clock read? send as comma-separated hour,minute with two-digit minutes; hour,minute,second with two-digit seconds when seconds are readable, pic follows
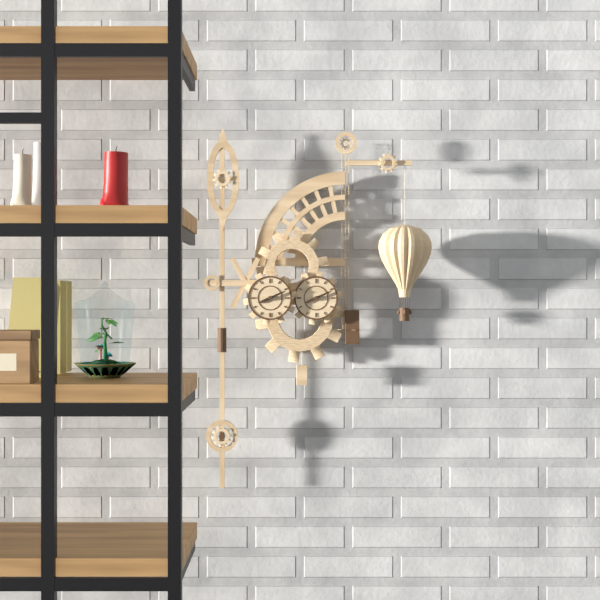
8,11
